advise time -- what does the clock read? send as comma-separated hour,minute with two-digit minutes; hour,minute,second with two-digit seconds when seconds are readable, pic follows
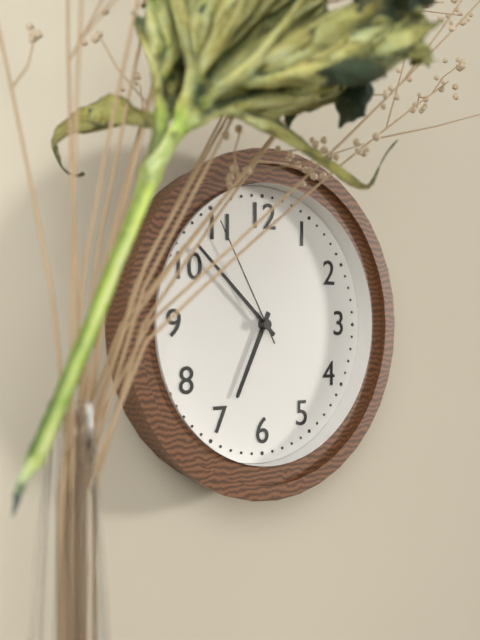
6,52,55
